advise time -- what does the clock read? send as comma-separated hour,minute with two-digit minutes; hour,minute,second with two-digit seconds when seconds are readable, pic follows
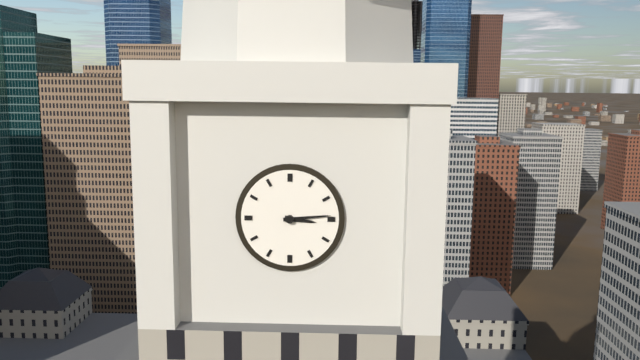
3,14
